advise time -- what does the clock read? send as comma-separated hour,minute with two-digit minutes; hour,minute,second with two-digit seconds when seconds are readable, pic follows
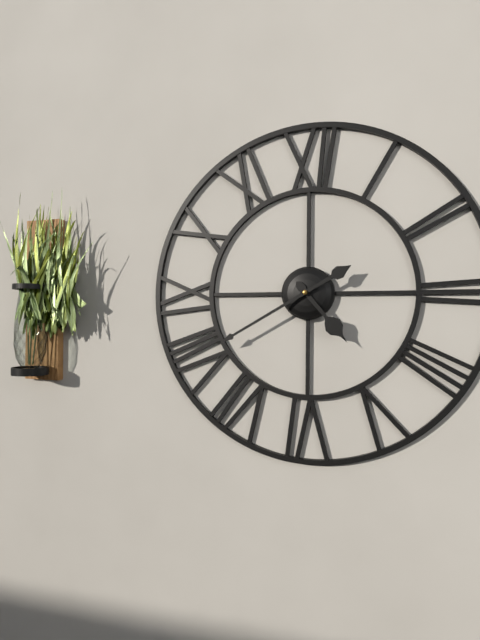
4,40
